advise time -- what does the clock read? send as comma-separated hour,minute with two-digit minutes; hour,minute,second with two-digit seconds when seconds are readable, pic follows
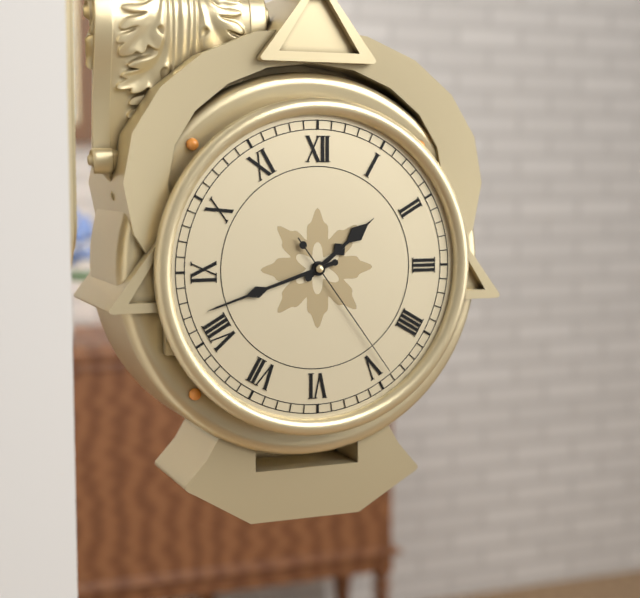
1,42,24
